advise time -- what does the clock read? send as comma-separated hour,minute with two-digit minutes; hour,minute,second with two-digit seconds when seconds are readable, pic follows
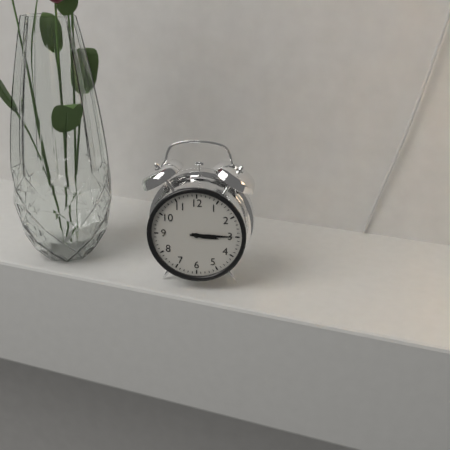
3,15
